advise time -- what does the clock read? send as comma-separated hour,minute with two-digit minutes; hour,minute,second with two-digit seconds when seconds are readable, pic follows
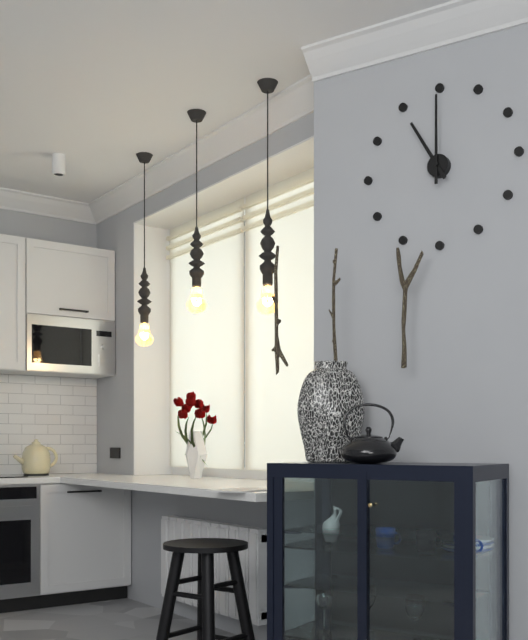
11,00
